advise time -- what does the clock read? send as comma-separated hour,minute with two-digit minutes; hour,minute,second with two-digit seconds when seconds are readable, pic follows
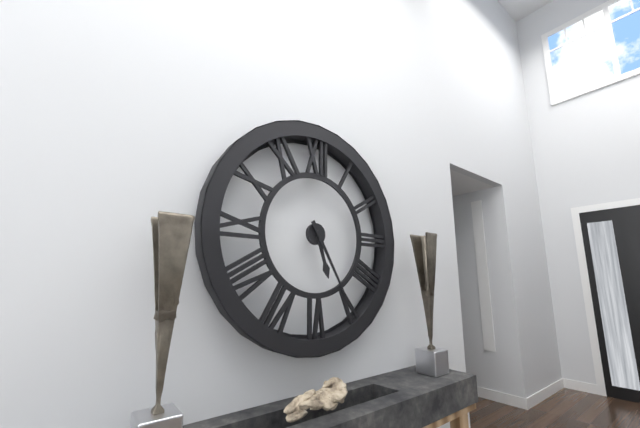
5,25
